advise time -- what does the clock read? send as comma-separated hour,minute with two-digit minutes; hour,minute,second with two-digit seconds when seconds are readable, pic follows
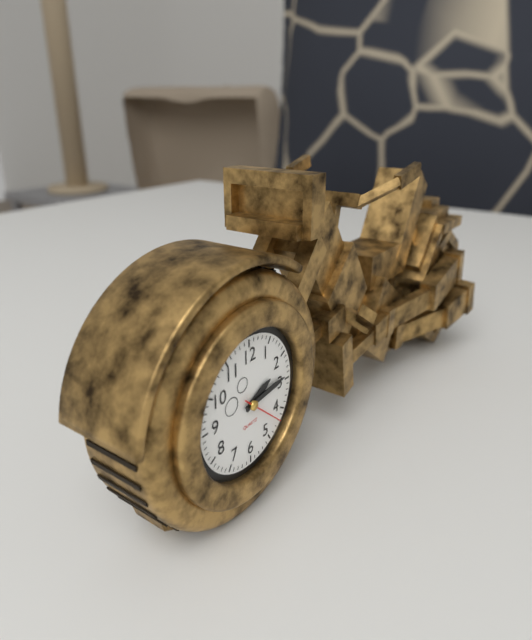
2,14
